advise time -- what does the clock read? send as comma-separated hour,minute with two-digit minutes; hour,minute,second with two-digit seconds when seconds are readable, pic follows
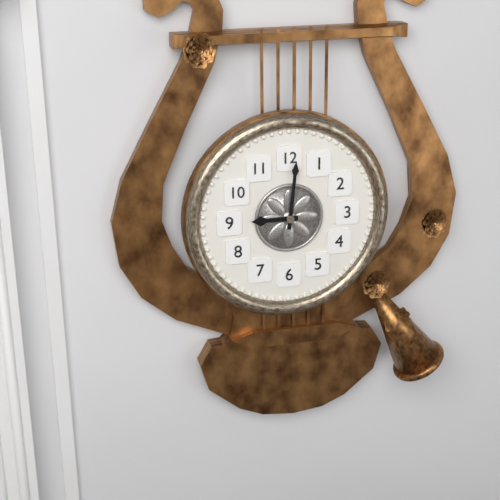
9,01
